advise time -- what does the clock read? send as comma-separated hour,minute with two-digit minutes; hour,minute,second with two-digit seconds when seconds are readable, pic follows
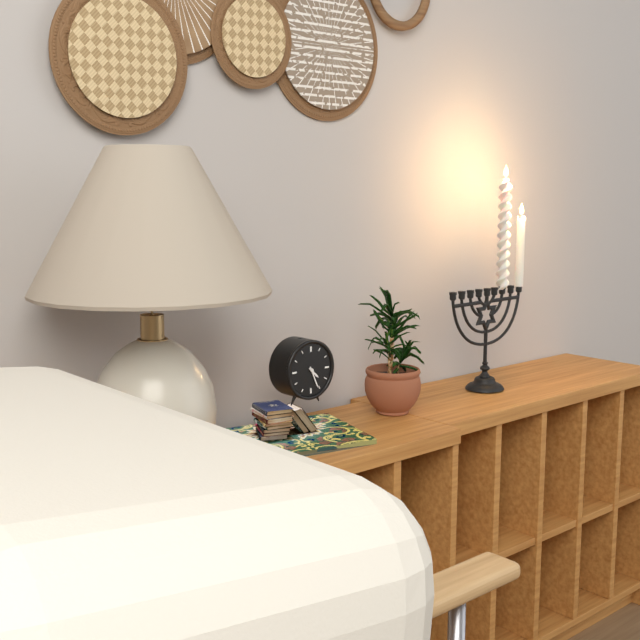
4,26
